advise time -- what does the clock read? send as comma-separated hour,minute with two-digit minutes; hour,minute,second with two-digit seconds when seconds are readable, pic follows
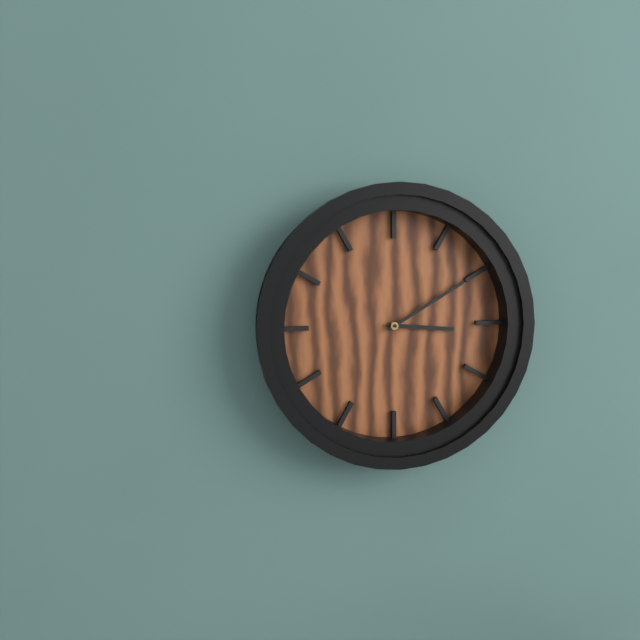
3,10
